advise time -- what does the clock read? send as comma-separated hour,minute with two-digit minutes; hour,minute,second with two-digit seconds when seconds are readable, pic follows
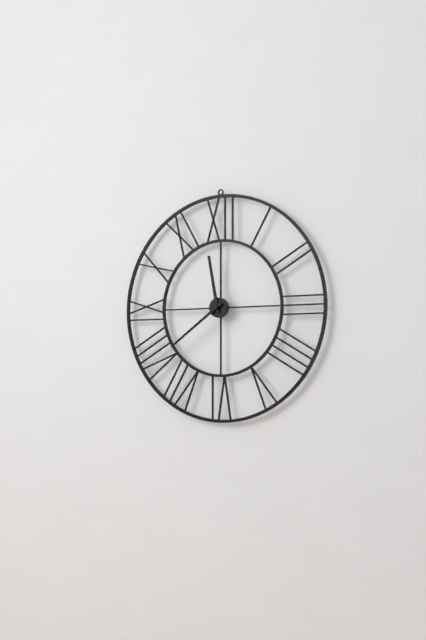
11,39
